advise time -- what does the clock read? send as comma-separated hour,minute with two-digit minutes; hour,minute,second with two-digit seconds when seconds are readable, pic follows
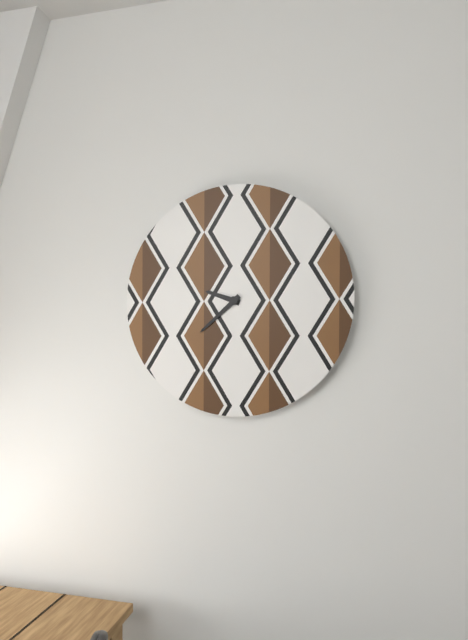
9,38
